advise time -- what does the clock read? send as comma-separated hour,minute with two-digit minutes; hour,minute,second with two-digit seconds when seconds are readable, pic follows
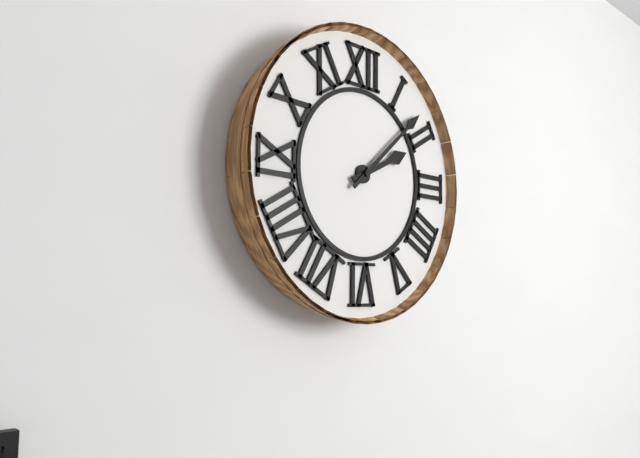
2,08
